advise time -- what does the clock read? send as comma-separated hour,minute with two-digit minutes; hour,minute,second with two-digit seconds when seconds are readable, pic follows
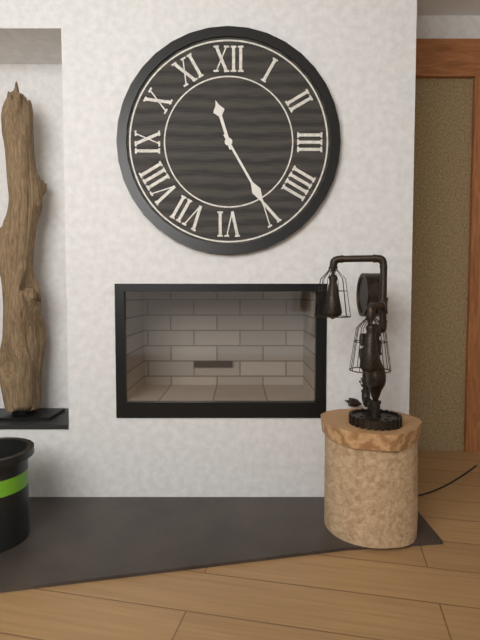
11,25
